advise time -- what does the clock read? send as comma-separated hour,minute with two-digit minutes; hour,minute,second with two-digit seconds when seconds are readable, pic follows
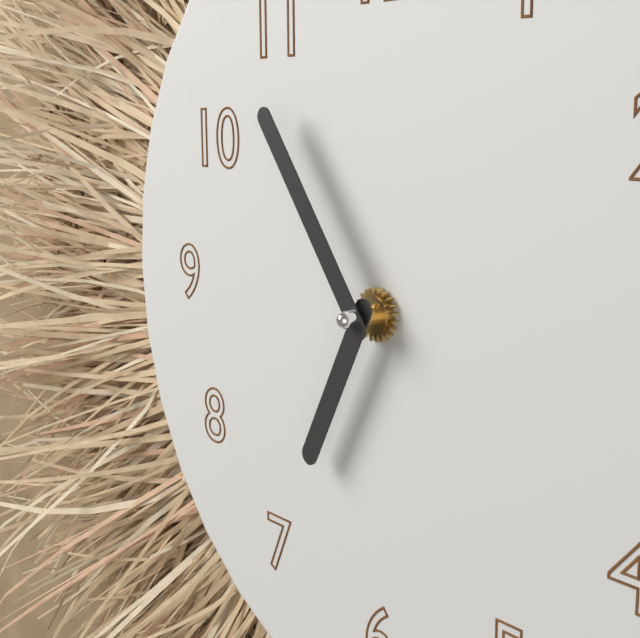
6,54
